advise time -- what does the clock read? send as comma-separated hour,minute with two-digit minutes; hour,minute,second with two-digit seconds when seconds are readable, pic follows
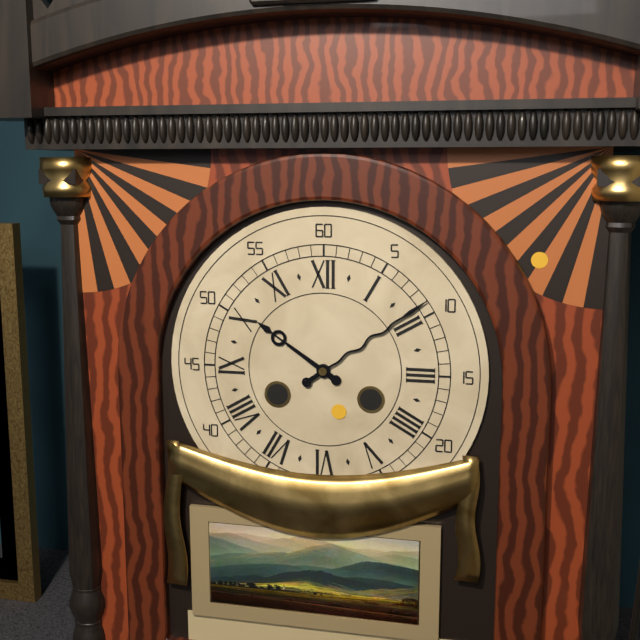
10,09
